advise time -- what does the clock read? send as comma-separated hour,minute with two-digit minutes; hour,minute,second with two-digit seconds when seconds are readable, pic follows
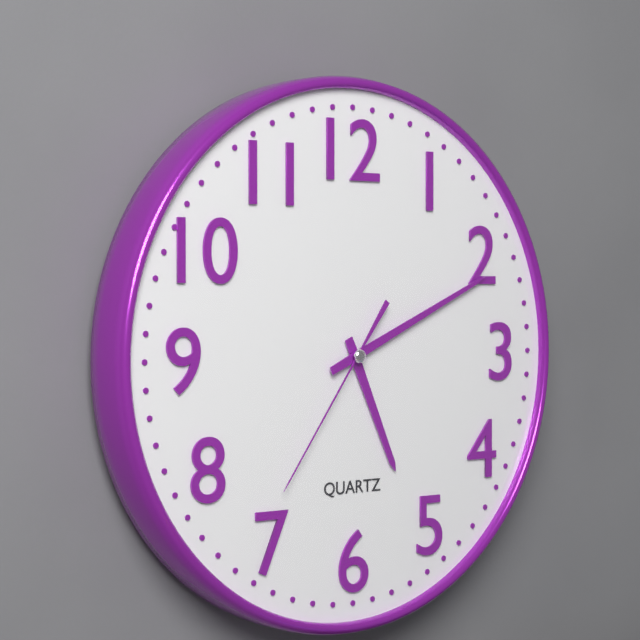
5,11,36
